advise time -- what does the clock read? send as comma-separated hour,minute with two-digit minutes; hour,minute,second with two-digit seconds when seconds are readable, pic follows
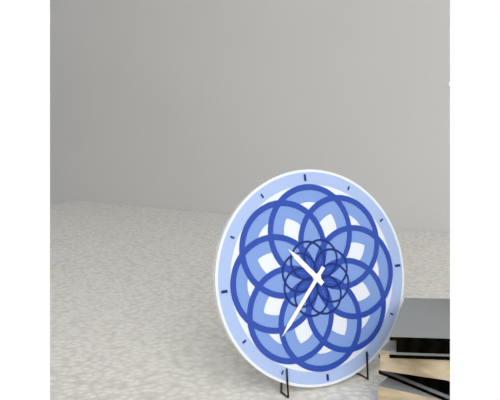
10,37
